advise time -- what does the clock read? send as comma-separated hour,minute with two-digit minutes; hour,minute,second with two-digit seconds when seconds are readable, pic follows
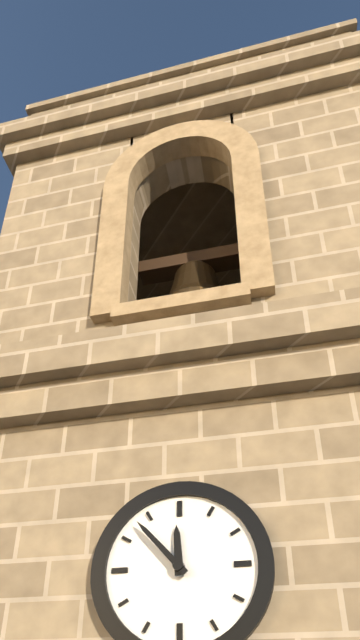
11,53
